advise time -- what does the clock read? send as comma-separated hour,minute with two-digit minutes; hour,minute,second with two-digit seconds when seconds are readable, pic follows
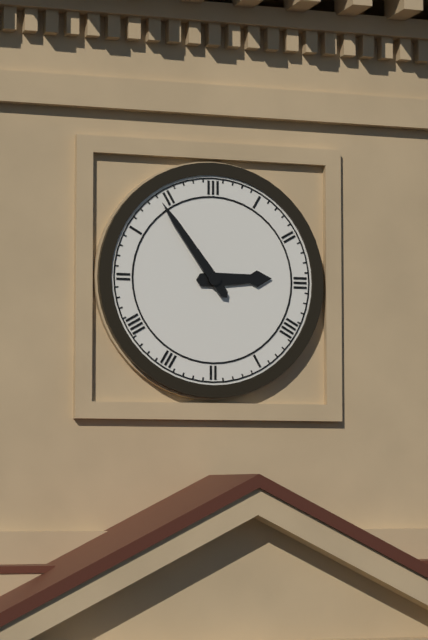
2,54
